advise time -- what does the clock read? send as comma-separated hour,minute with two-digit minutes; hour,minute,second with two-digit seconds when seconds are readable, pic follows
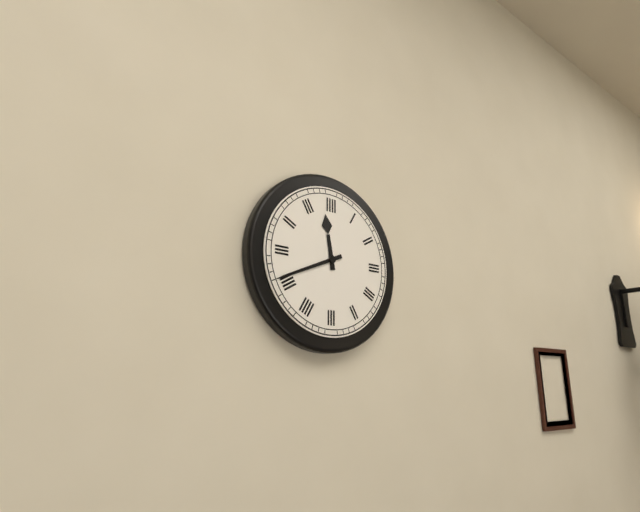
11,41
